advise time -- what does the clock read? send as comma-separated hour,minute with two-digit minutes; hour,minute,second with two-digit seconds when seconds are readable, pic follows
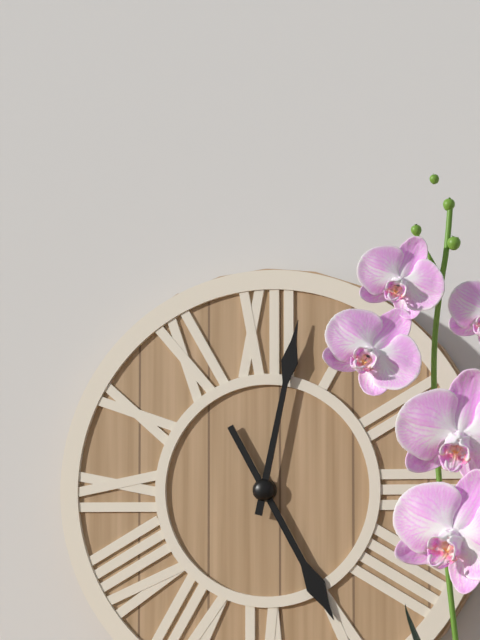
5,02
